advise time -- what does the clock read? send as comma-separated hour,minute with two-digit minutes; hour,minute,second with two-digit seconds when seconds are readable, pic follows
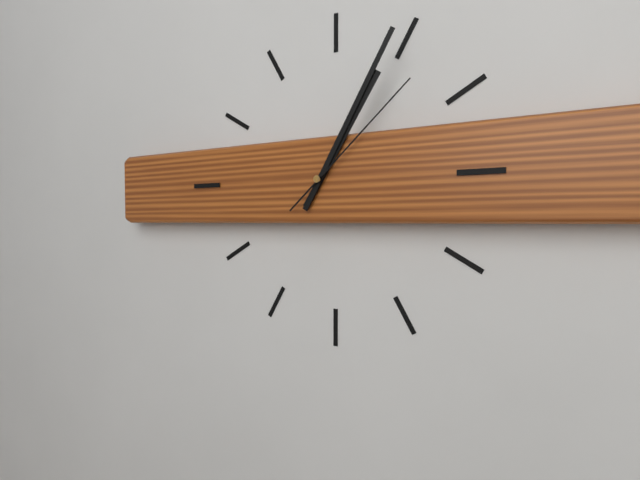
1,05,08
